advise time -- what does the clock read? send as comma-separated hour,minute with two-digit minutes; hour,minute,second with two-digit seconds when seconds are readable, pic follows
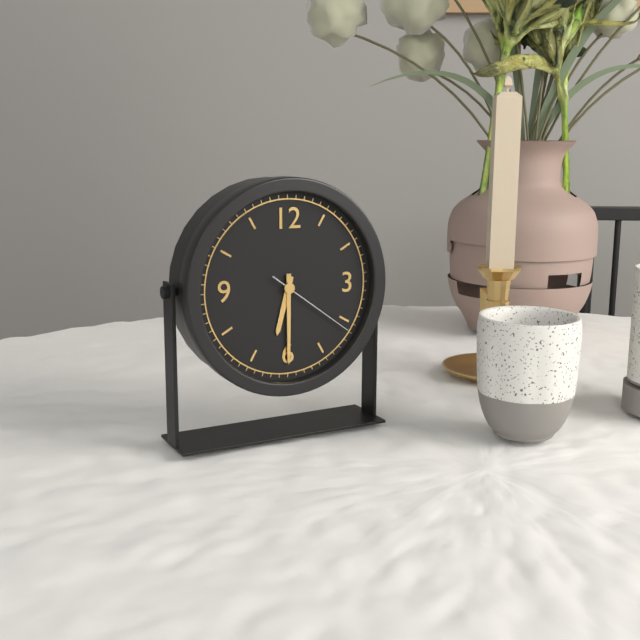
6,30,21
